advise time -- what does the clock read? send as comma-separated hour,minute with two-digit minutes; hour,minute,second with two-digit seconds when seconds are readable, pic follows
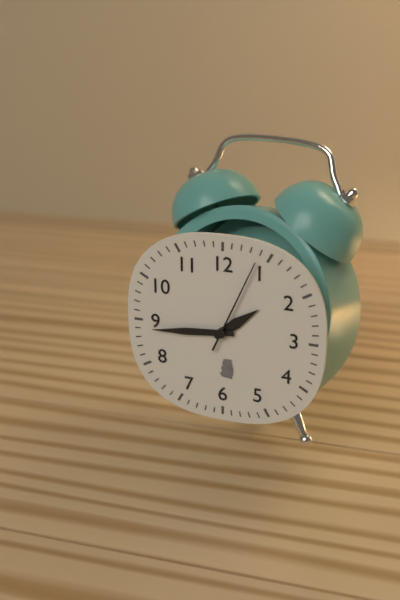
1,44,04
